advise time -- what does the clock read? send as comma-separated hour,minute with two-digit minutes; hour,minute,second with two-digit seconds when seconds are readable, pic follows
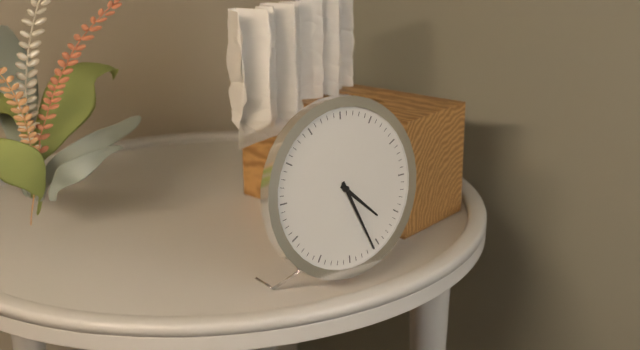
4,26
